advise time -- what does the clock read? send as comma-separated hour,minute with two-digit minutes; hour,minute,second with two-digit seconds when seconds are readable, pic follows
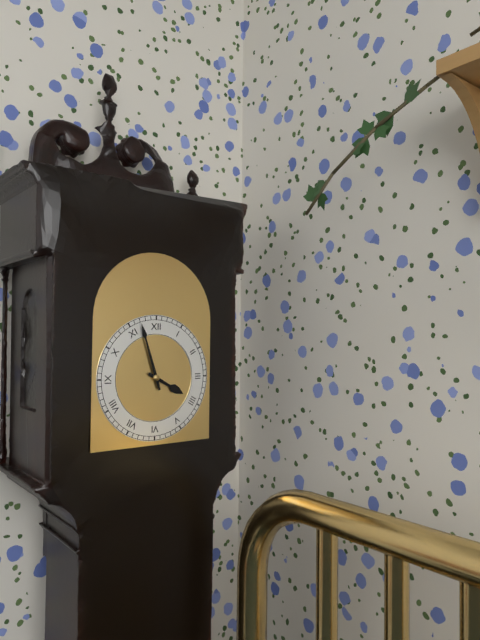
3,57
